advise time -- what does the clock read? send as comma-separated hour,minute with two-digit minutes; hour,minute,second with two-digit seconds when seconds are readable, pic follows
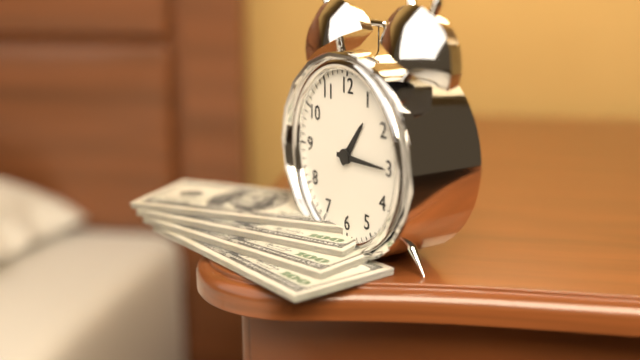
1,15
